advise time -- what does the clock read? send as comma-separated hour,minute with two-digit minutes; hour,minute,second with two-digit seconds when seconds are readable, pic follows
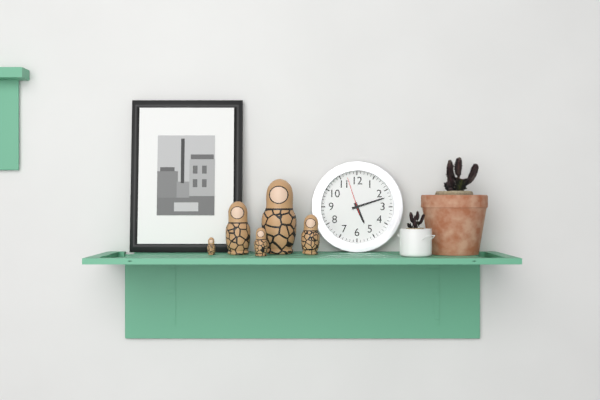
5,12
